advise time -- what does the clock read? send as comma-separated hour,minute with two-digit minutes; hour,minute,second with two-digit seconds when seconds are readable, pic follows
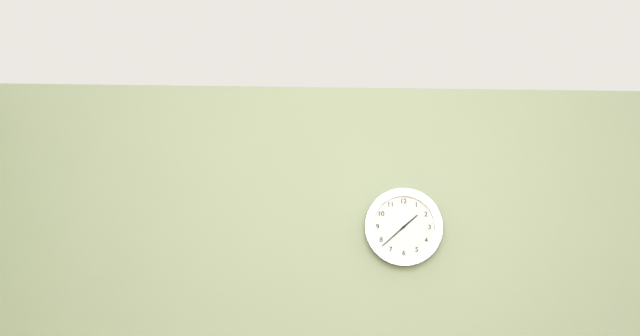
1,38
